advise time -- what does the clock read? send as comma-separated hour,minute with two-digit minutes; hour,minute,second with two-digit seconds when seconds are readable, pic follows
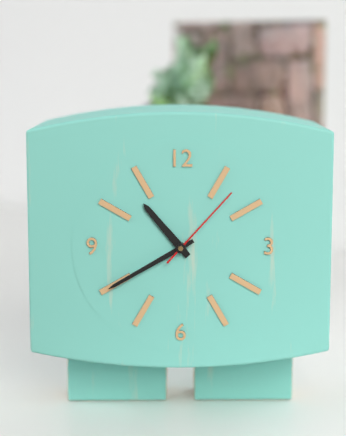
10,40,07
